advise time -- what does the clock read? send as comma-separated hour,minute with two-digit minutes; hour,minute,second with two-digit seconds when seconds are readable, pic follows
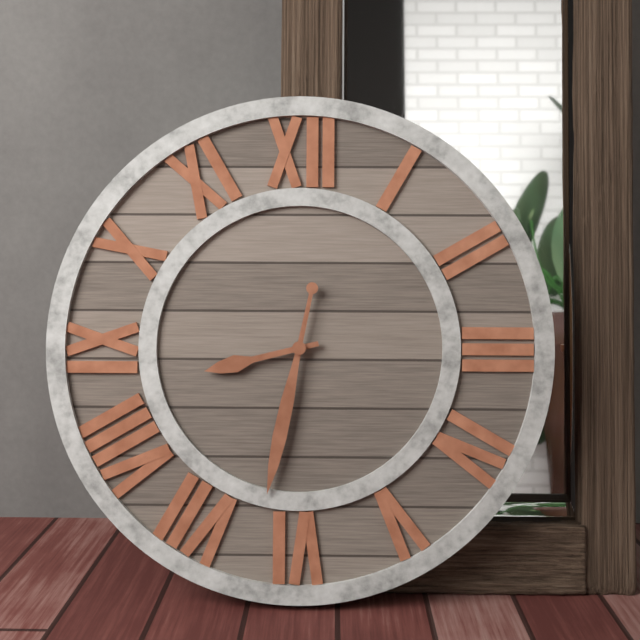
8,32
